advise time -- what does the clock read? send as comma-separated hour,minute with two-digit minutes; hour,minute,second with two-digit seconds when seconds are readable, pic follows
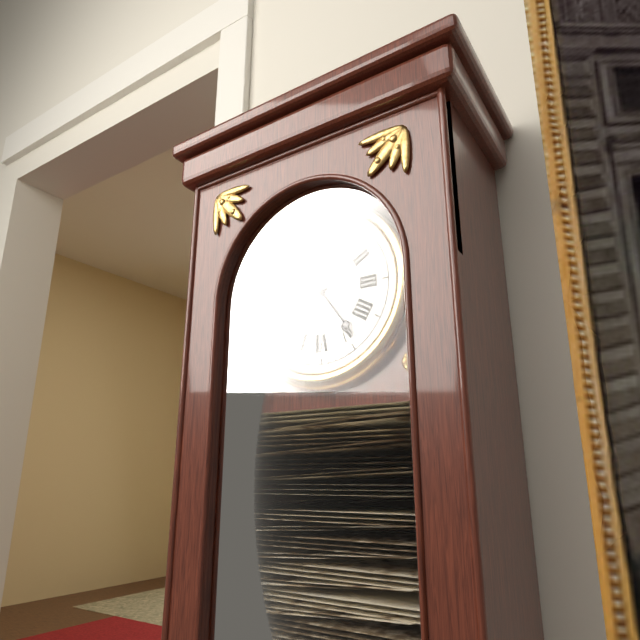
8,24
